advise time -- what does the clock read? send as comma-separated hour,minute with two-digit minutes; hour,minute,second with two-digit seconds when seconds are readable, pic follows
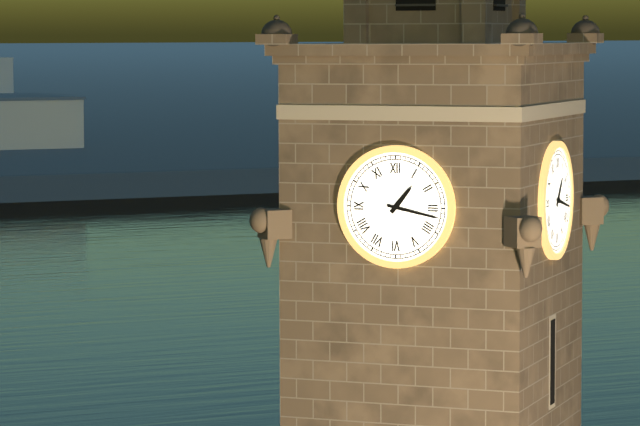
1,17
